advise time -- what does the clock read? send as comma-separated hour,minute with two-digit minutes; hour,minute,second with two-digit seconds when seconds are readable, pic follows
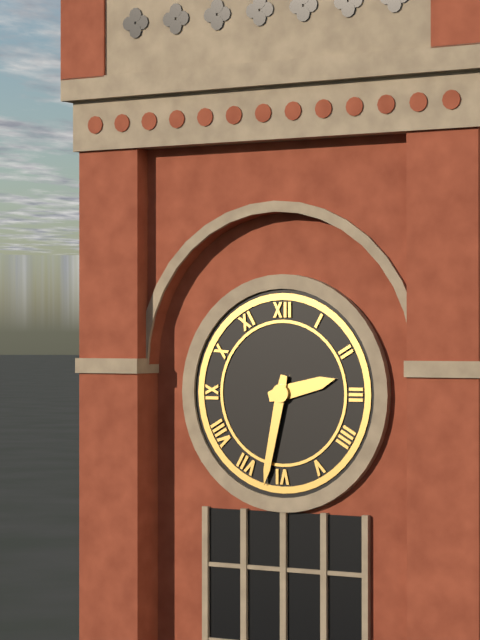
2,32
